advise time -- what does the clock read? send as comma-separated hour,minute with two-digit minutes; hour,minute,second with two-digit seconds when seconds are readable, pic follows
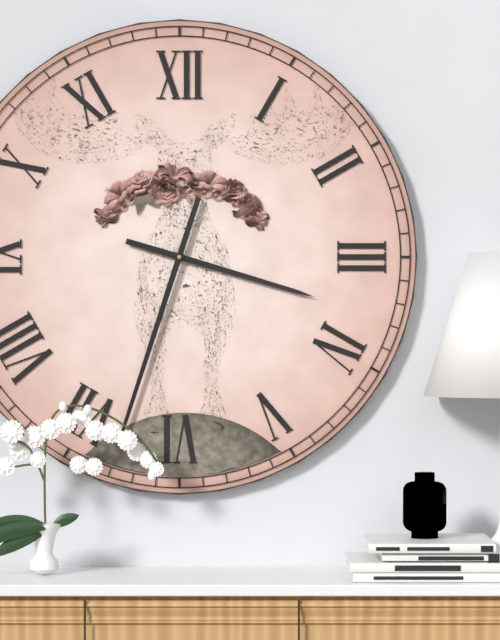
3,33
